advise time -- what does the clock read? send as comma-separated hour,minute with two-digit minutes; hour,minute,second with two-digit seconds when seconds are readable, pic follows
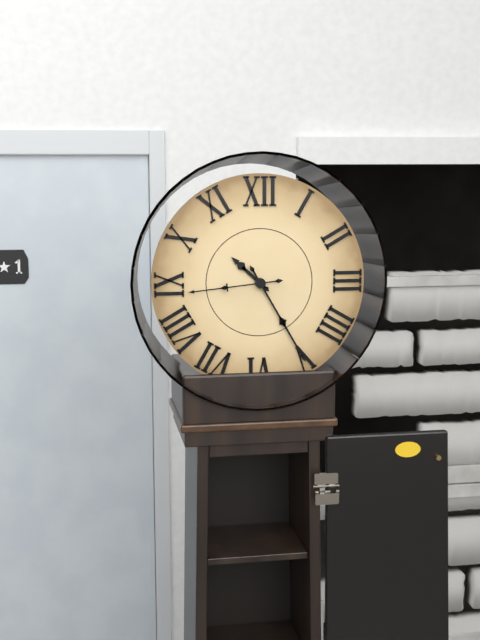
10,25,44
